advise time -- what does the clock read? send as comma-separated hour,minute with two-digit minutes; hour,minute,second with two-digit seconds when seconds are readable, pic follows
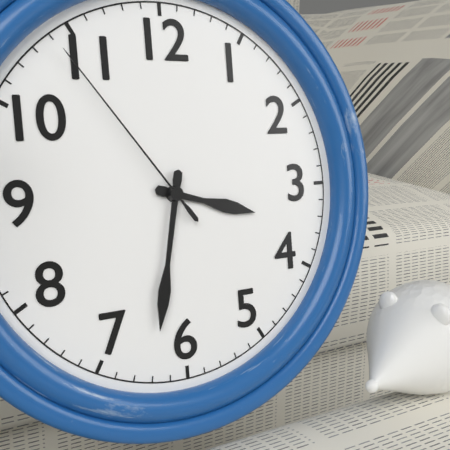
3,32,54
